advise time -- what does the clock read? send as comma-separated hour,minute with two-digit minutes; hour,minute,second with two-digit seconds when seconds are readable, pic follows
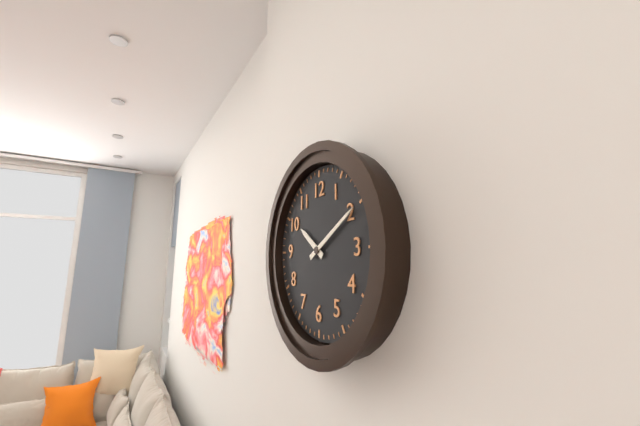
10,10
